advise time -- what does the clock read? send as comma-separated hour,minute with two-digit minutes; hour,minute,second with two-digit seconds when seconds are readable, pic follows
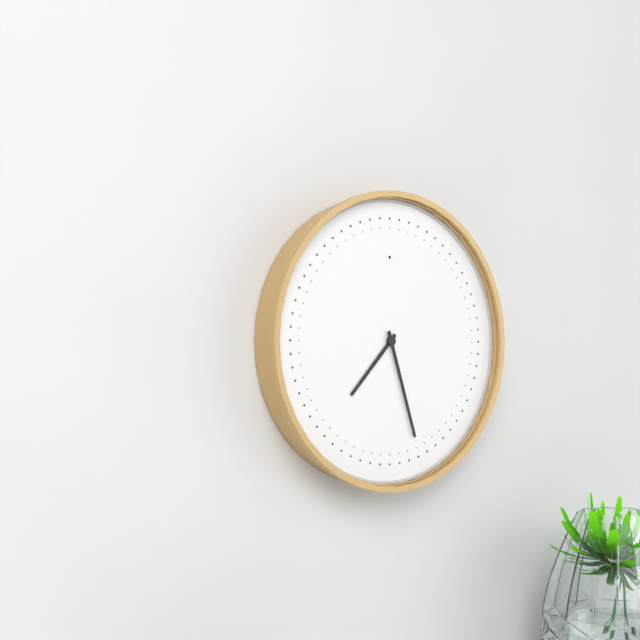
7,27
